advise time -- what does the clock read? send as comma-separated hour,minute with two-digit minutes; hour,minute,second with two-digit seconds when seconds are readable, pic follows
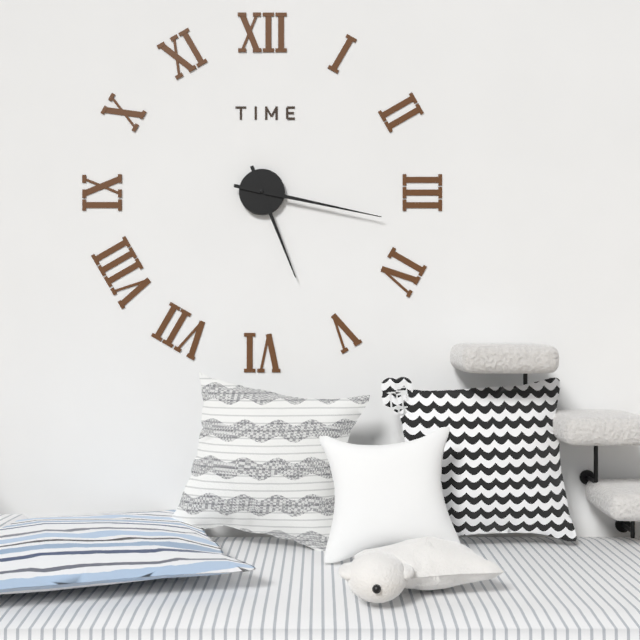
5,17
